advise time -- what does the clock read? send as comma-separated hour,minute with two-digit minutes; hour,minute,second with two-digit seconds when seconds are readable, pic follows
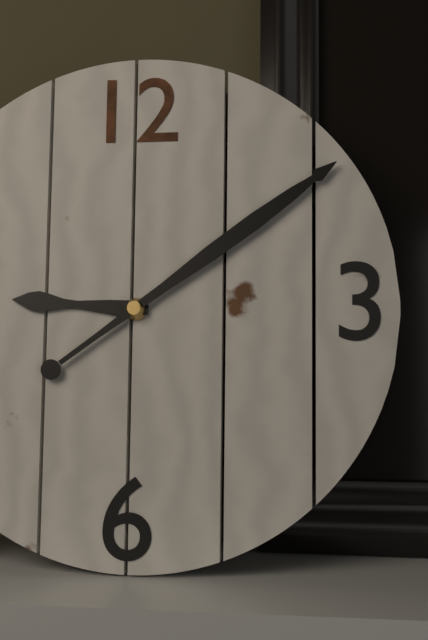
9,09
